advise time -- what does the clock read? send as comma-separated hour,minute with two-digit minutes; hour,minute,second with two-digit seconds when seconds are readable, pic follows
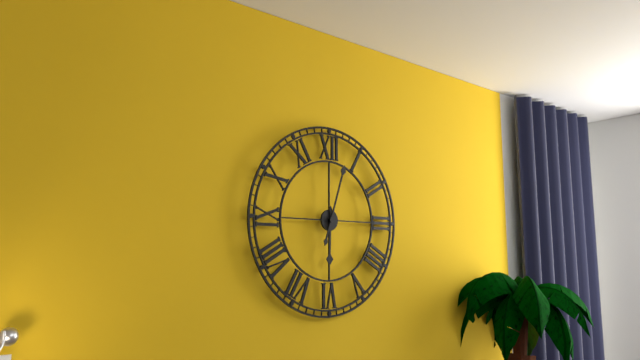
6,03
